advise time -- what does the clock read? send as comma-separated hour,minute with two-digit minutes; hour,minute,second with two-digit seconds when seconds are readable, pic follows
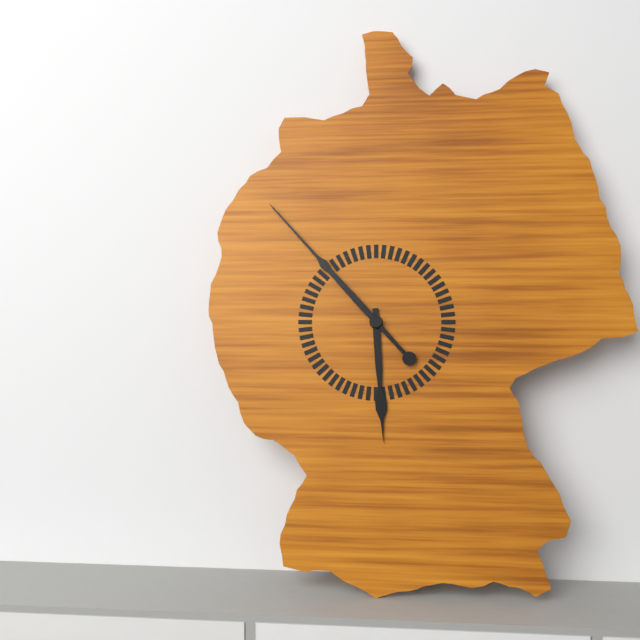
5,53
